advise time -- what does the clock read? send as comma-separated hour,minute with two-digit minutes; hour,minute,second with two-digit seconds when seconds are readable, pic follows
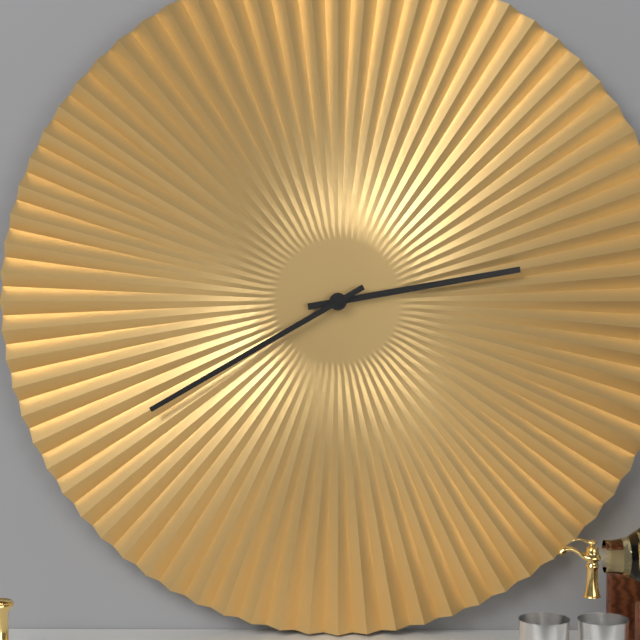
2,40
